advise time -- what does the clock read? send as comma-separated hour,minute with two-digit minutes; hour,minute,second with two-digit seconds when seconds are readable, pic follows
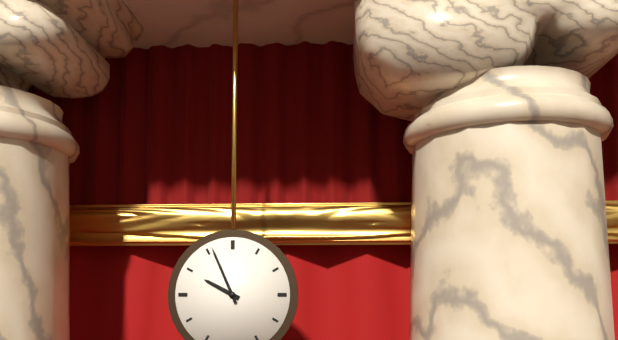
9,56
